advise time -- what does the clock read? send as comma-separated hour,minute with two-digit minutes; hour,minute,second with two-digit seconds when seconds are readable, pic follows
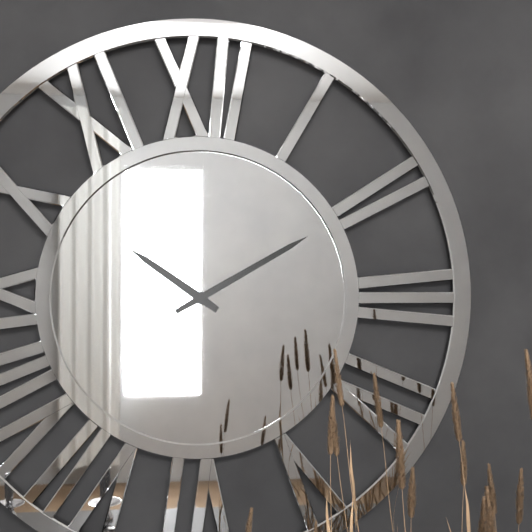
10,10
